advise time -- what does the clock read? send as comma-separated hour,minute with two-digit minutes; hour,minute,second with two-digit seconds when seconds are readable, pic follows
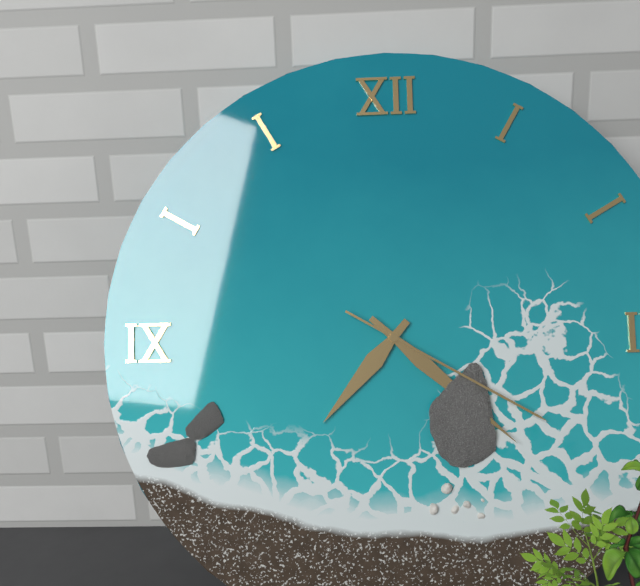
7,22,20
